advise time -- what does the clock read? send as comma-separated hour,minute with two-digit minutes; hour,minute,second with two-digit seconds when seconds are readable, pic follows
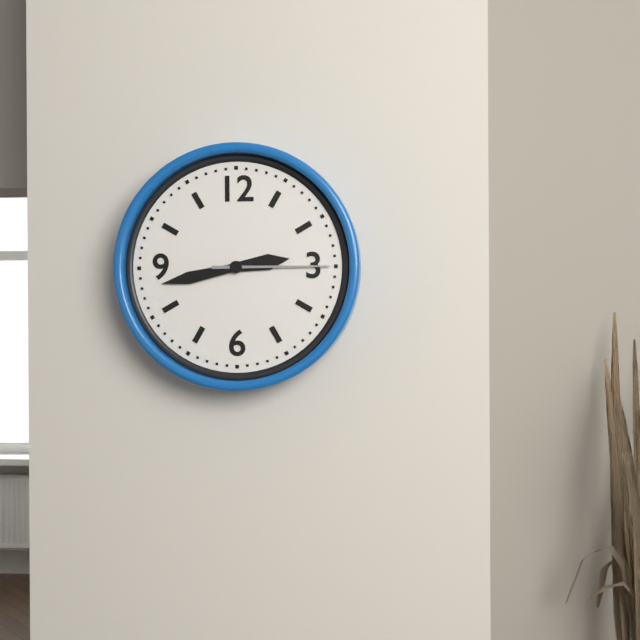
2,43,15
